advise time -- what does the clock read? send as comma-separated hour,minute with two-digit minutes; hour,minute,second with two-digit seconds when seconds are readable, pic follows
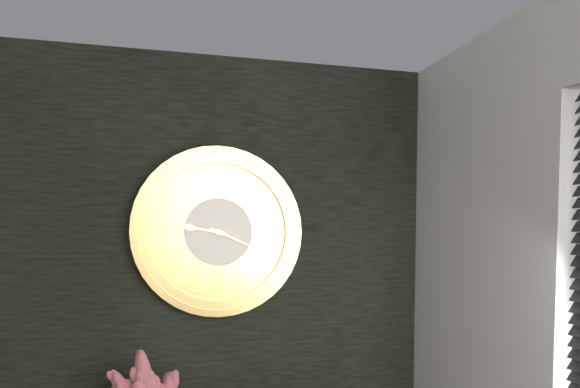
9,19
